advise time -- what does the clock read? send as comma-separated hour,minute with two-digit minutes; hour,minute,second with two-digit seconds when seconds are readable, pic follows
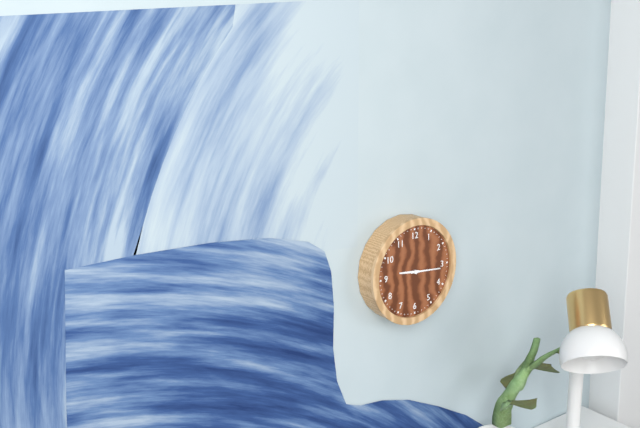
9,16
